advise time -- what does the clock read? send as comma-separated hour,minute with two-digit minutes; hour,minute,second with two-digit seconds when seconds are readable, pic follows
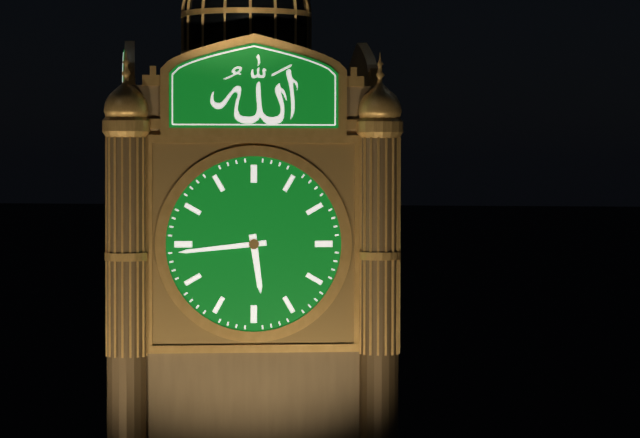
5,44
